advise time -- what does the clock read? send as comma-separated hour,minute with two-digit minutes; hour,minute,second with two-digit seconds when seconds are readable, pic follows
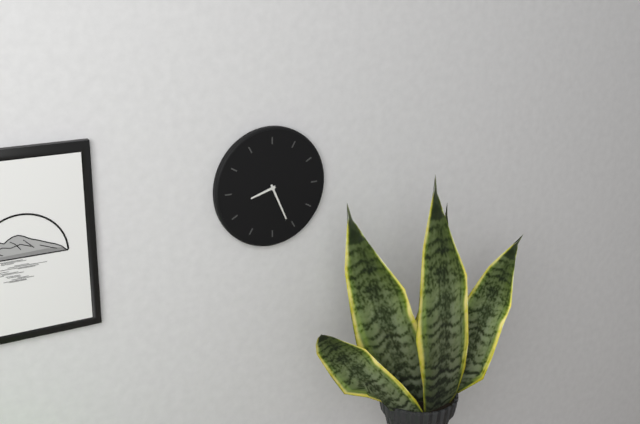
8,26
